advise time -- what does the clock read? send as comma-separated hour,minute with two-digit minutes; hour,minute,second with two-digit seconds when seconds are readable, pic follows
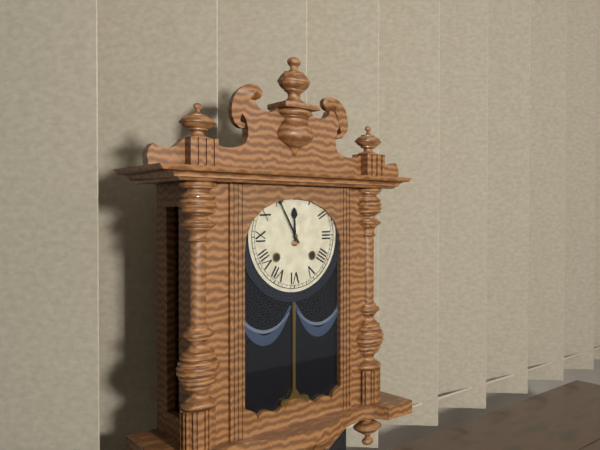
11,55
